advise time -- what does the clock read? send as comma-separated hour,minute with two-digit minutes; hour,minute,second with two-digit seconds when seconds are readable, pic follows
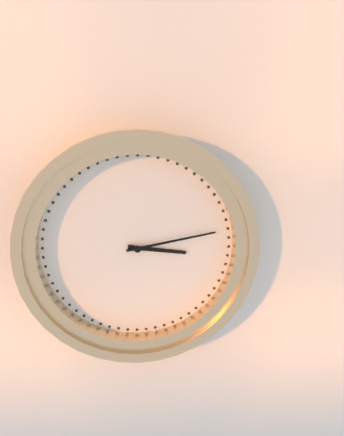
3,13
